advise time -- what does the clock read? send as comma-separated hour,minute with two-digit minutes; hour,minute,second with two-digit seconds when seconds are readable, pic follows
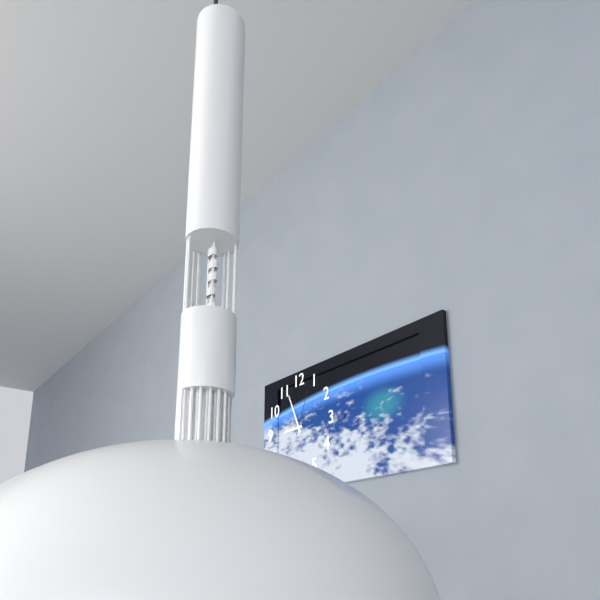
8,56
